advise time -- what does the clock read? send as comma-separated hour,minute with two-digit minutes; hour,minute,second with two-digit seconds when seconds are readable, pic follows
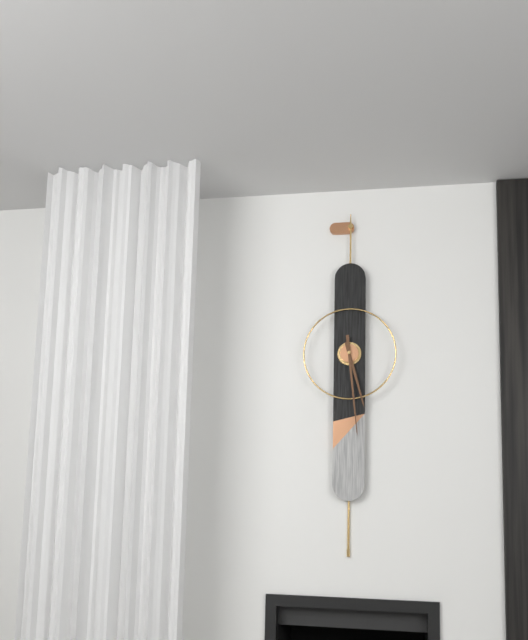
5,29
